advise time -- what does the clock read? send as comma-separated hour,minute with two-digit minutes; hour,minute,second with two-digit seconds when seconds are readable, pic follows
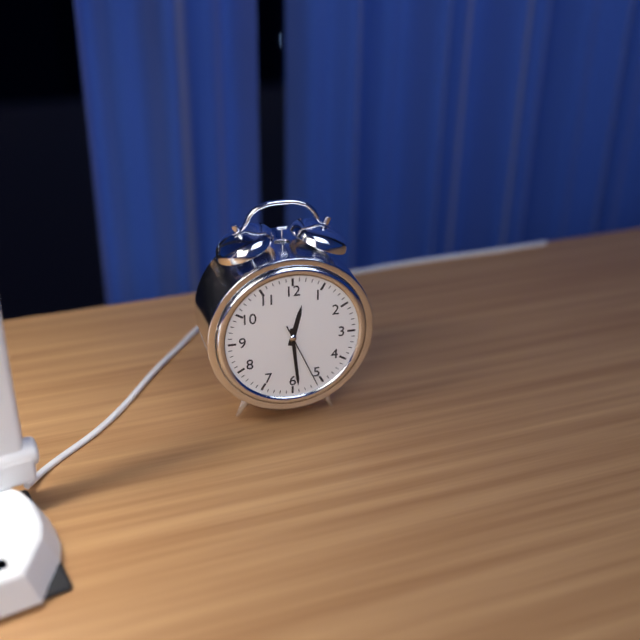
12,29,26
